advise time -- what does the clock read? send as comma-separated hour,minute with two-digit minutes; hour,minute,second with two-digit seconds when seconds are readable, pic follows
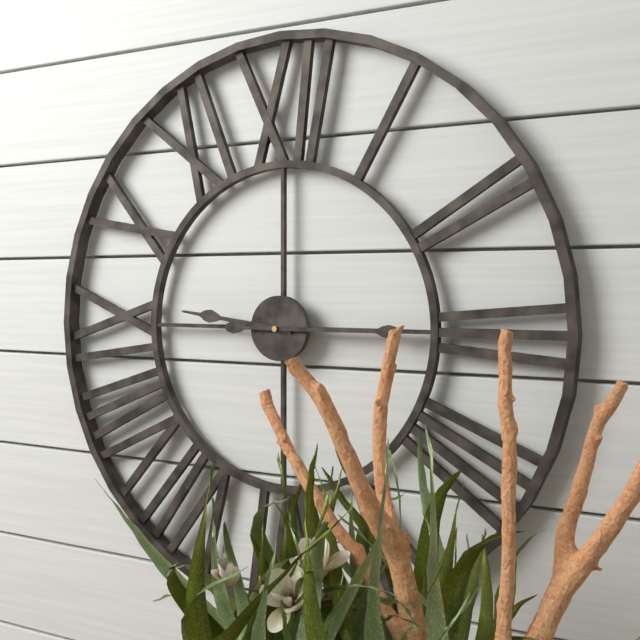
9,15
